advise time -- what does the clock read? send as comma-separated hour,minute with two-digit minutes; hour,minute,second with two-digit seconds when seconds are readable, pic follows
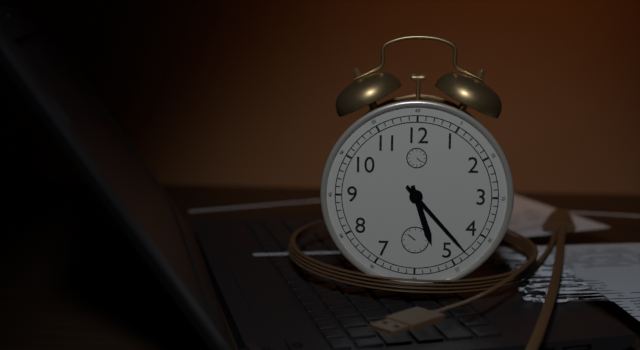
5,23
